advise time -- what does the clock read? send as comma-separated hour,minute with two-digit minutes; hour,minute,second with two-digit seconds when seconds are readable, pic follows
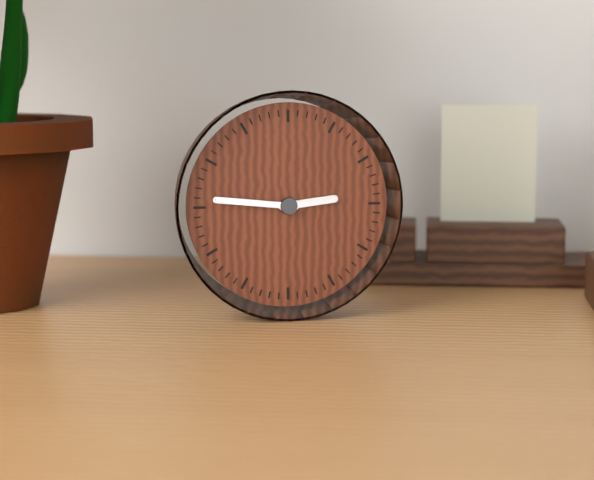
2,46
